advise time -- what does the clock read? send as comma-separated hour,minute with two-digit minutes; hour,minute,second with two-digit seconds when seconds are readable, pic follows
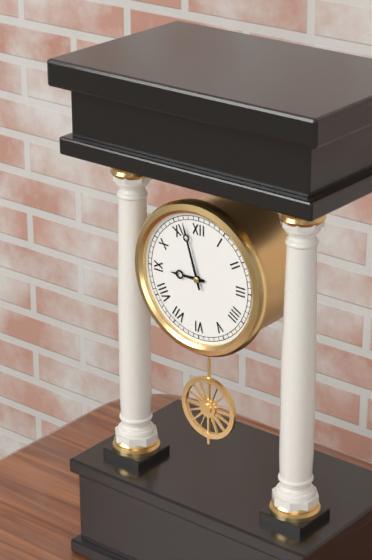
8,57
